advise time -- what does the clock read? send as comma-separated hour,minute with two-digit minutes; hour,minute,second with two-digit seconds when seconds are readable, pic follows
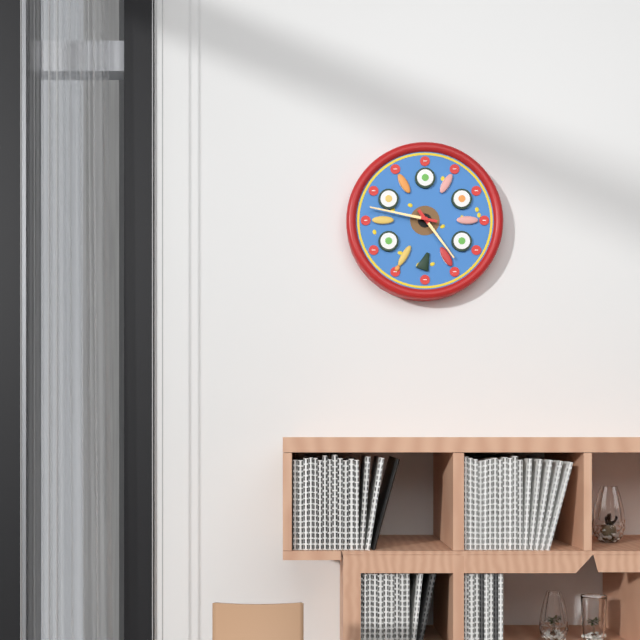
4,47
